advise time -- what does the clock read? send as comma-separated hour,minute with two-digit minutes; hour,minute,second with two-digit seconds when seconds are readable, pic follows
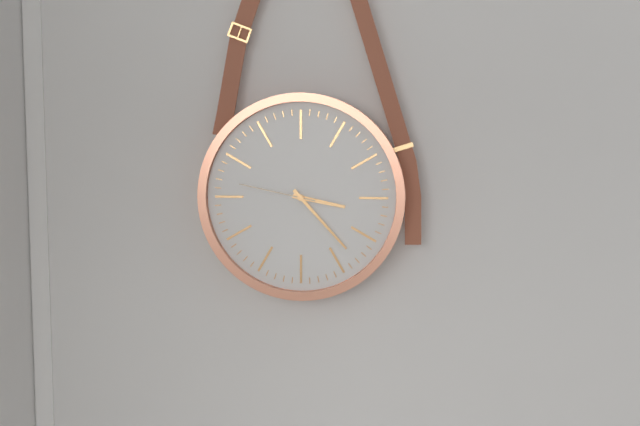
3,23,47
